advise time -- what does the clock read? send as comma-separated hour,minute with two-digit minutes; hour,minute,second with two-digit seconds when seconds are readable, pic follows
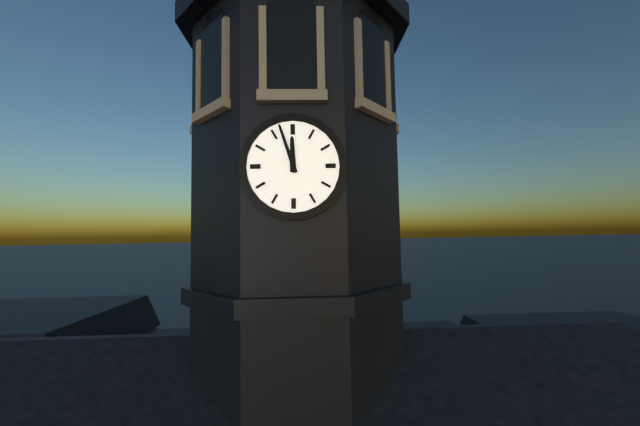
11,57
